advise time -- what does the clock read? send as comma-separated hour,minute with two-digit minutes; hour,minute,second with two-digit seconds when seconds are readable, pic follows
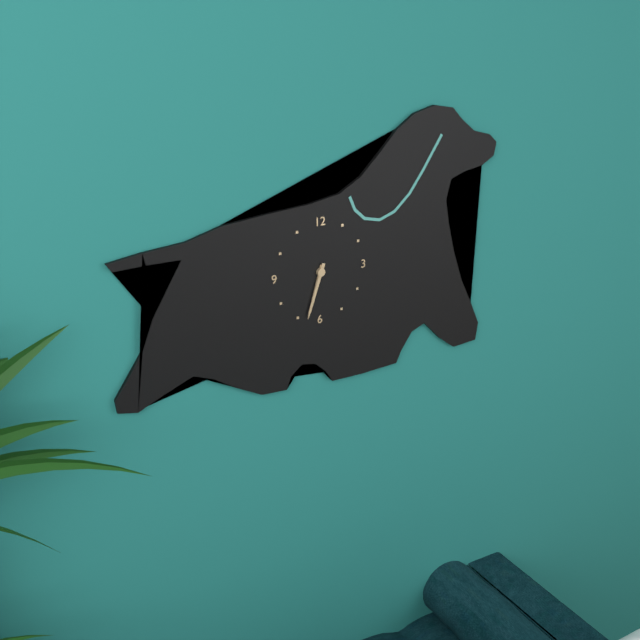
6,33
